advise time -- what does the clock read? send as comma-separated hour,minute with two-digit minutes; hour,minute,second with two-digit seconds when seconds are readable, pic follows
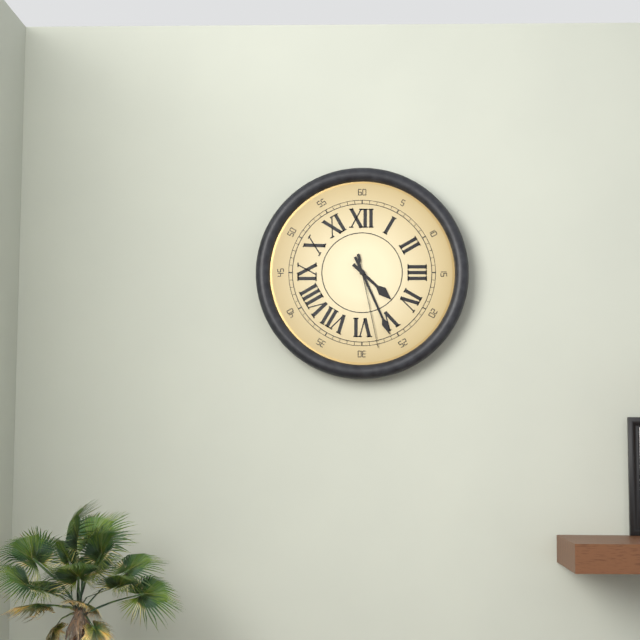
4,26,28
